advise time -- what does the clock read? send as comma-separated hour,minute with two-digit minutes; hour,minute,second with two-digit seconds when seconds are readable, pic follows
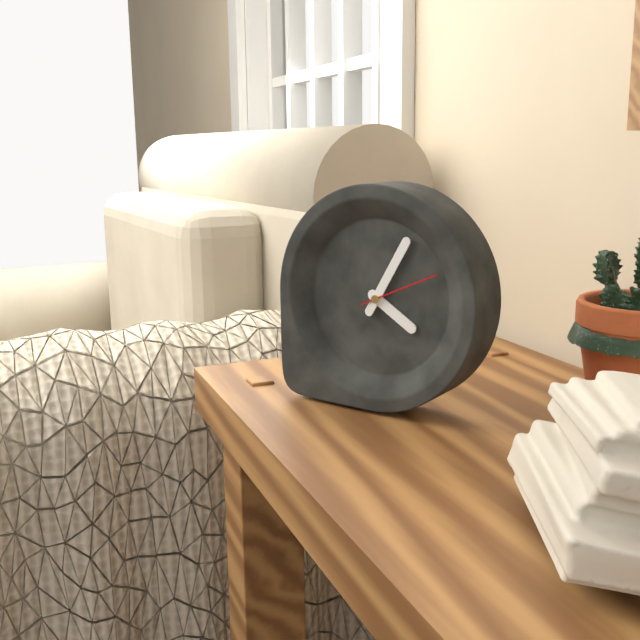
4,05,11
